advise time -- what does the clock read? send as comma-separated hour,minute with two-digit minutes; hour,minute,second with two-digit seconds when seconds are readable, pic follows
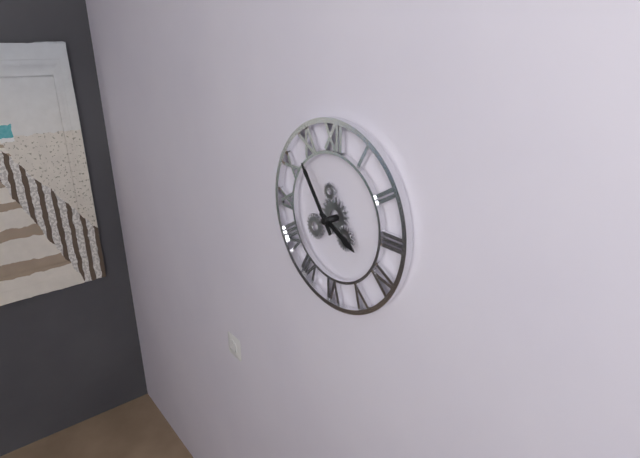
3,54
